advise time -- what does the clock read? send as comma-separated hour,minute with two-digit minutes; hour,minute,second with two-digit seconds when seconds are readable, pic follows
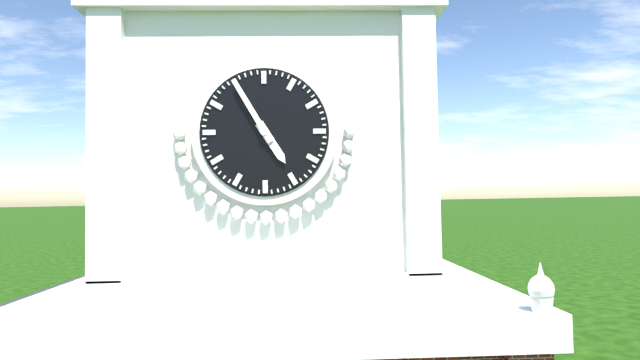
4,55
